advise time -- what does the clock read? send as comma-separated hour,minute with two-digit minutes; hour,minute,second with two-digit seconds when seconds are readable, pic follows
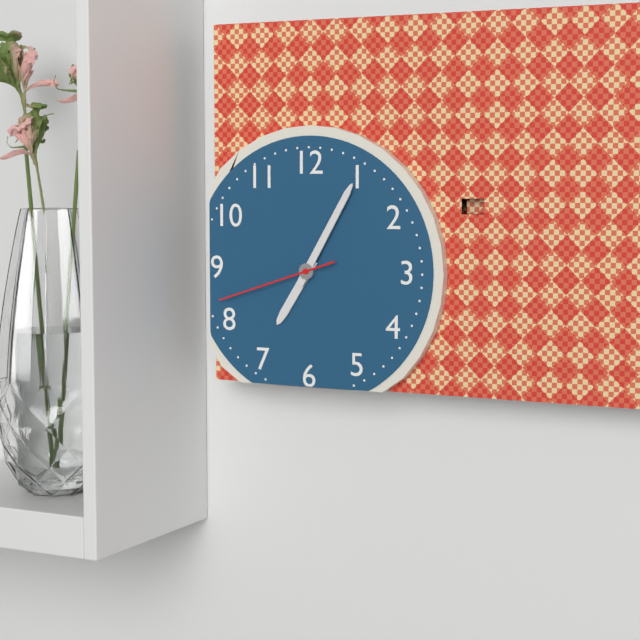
7,05,42
